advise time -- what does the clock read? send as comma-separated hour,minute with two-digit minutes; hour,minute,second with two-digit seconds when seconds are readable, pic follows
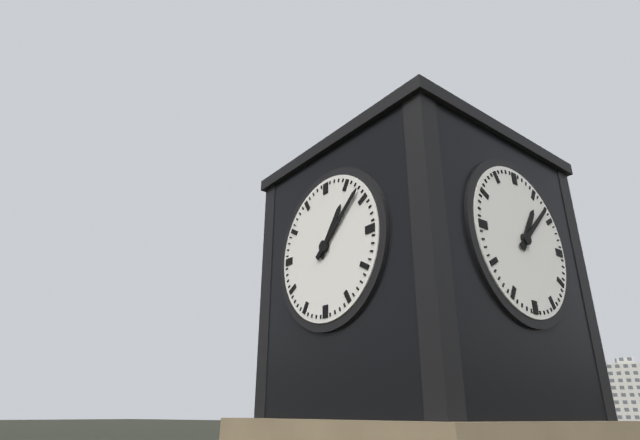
1,08
